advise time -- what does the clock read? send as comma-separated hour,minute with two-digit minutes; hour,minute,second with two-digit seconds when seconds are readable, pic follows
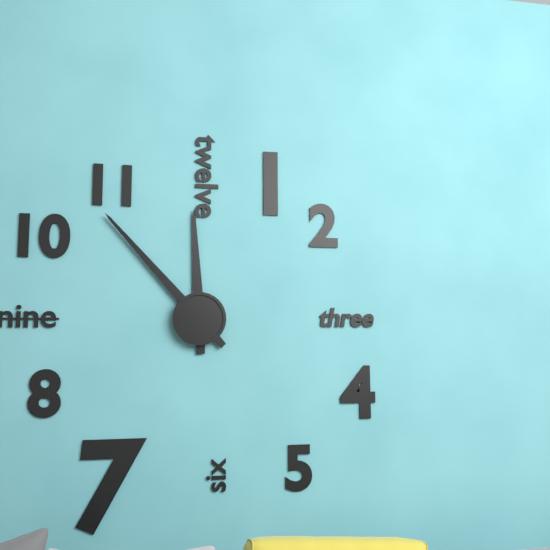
11,53
